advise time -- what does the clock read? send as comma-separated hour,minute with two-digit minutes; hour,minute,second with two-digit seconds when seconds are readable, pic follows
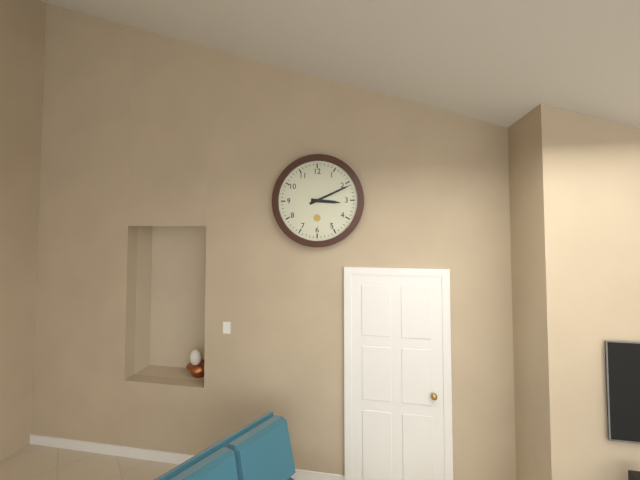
3,11
